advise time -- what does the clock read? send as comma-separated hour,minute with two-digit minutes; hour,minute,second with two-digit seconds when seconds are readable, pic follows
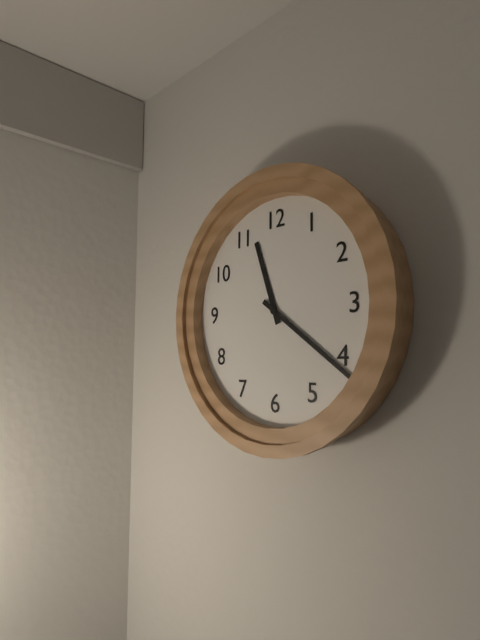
11,21
